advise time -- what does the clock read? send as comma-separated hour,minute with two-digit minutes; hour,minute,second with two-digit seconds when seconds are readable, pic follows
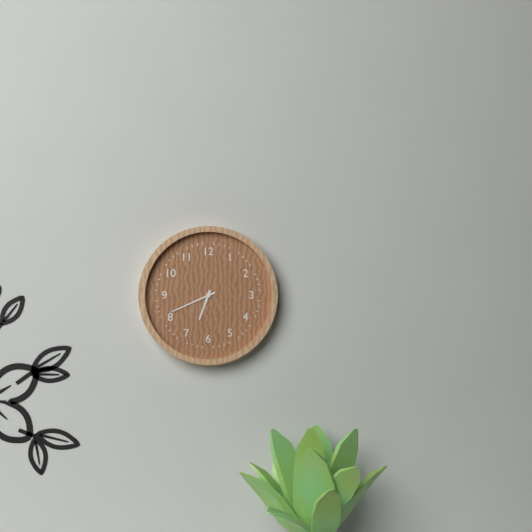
6,41
